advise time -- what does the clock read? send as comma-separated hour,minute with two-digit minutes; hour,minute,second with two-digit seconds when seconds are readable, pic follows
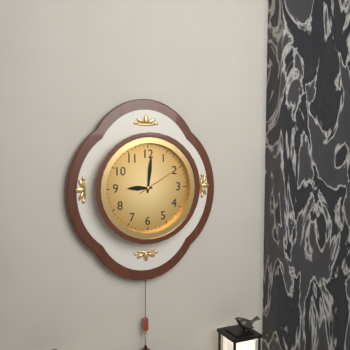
9,01
